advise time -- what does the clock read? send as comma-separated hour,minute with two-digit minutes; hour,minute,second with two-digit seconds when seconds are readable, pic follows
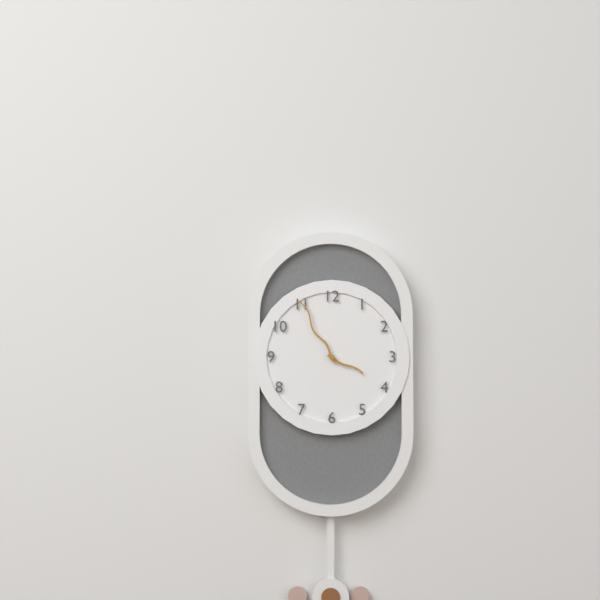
3,55
